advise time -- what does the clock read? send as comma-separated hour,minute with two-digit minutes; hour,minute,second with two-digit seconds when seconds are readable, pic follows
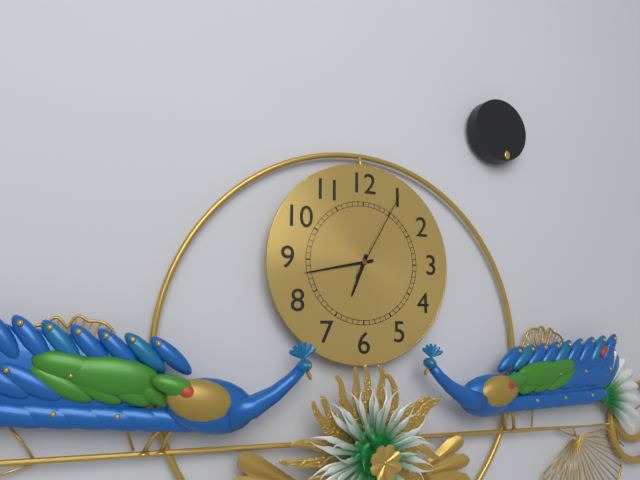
6,43,05
